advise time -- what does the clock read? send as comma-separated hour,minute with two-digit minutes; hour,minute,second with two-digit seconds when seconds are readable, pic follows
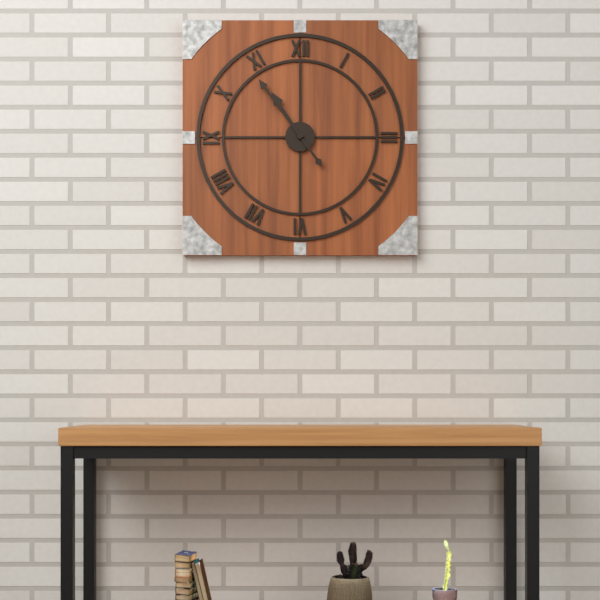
10,54
